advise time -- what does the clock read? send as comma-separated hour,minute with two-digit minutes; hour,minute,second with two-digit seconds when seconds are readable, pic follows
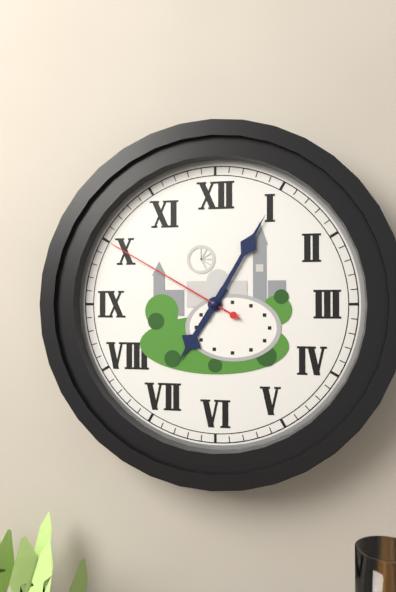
7,05,50
